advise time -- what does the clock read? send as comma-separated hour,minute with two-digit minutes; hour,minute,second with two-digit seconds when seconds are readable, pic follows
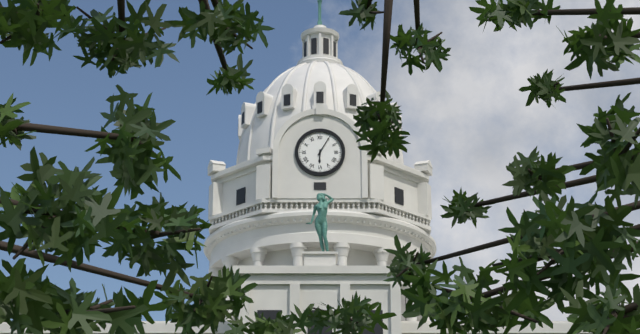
6,05
